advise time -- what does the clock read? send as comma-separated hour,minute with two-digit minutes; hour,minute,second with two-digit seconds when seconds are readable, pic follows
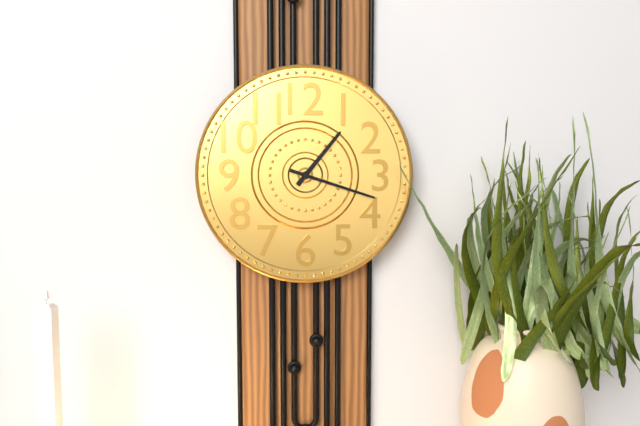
1,18
